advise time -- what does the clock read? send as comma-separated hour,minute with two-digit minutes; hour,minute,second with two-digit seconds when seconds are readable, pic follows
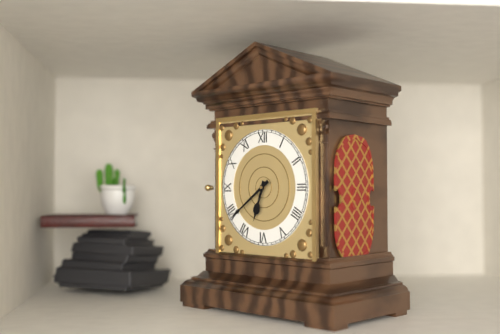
6,39
